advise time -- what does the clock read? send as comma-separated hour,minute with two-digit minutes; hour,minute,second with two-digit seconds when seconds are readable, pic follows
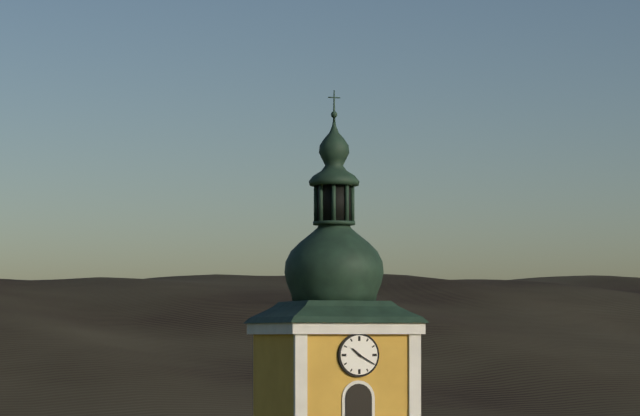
10,20
